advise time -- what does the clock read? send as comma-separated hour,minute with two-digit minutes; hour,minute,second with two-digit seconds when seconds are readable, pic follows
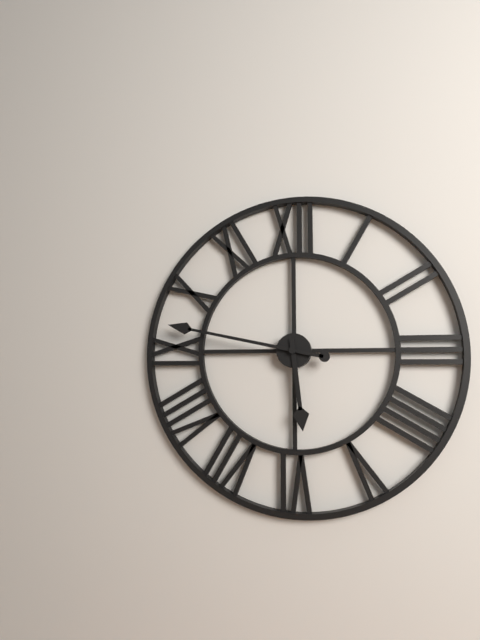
5,47
